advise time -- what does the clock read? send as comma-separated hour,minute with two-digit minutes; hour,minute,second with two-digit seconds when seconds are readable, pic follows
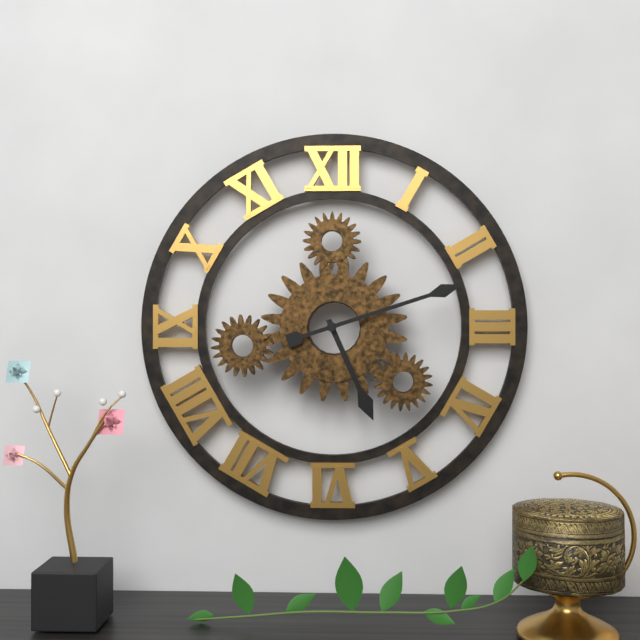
5,12
